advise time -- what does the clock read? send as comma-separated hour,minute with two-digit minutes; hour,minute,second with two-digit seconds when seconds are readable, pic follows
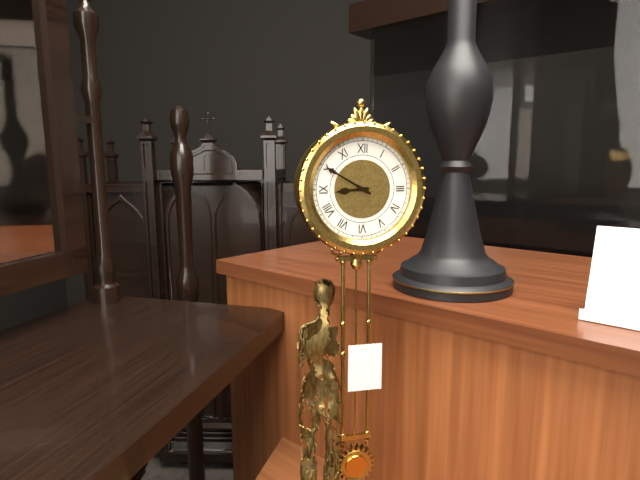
8,50
